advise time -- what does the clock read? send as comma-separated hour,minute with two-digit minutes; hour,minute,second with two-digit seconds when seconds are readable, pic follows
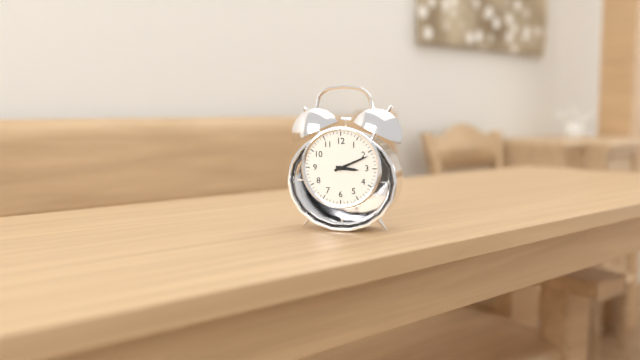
3,11
